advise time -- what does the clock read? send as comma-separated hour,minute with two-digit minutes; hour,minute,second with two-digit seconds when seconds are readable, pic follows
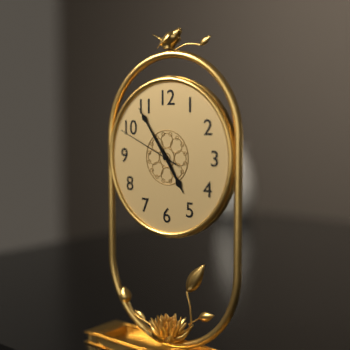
4,54,49
